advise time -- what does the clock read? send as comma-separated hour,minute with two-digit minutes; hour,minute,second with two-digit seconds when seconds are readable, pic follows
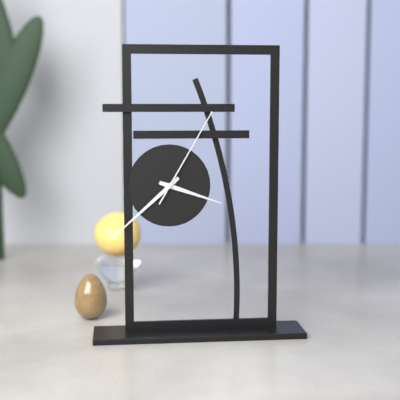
3,38,05
